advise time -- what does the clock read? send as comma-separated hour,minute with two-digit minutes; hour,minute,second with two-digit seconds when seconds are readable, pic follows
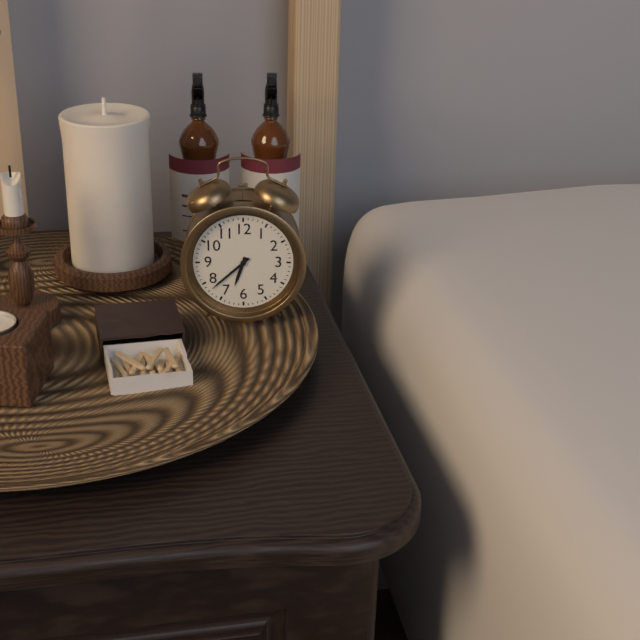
6,38
